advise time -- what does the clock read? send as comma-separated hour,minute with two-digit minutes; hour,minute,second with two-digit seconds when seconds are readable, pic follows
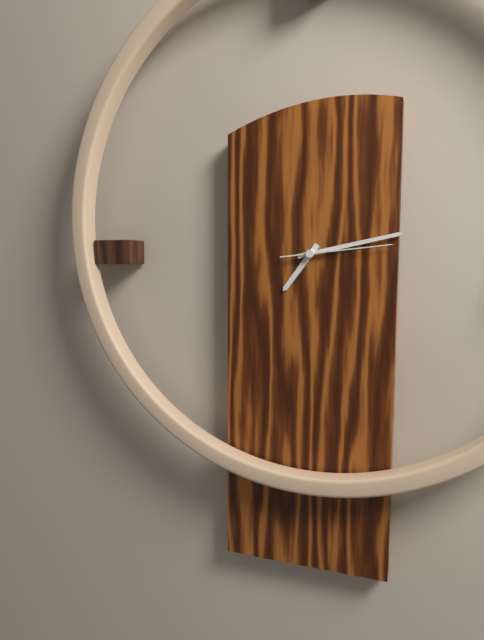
7,13,14
